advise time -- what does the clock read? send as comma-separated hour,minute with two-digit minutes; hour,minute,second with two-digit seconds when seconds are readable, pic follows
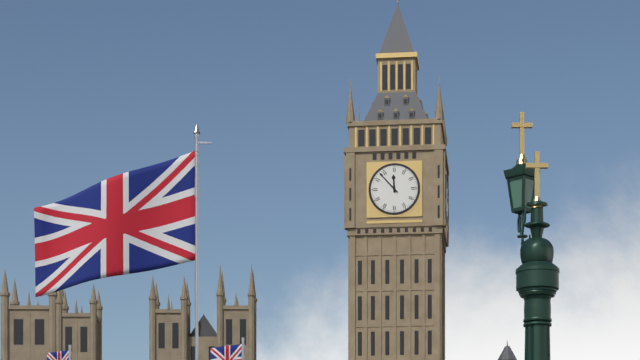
11,53
